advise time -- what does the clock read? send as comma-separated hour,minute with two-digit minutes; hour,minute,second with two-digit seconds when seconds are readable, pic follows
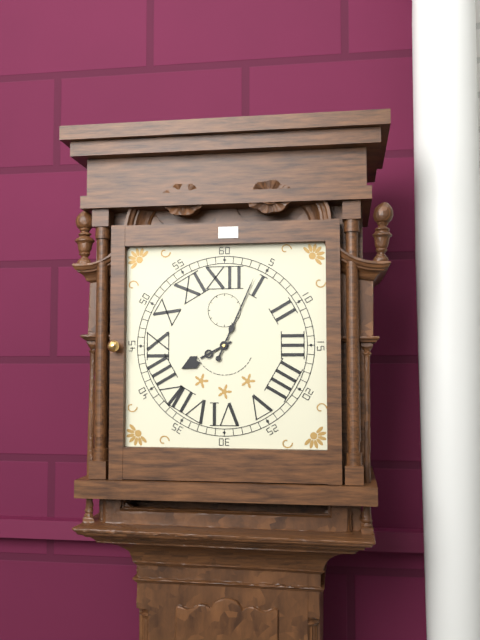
8,04
